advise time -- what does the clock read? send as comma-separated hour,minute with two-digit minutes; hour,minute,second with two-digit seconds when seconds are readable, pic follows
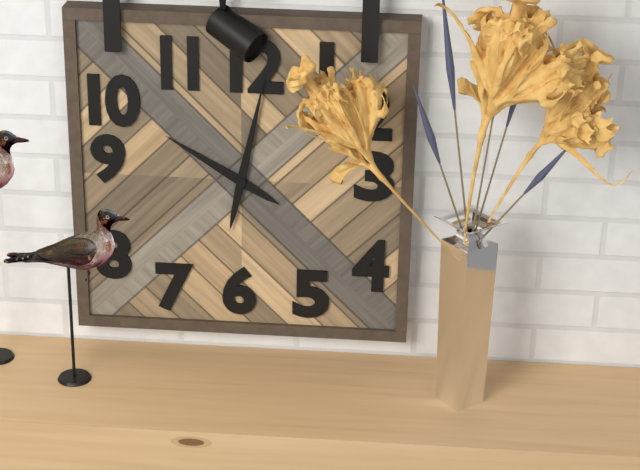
10,02
